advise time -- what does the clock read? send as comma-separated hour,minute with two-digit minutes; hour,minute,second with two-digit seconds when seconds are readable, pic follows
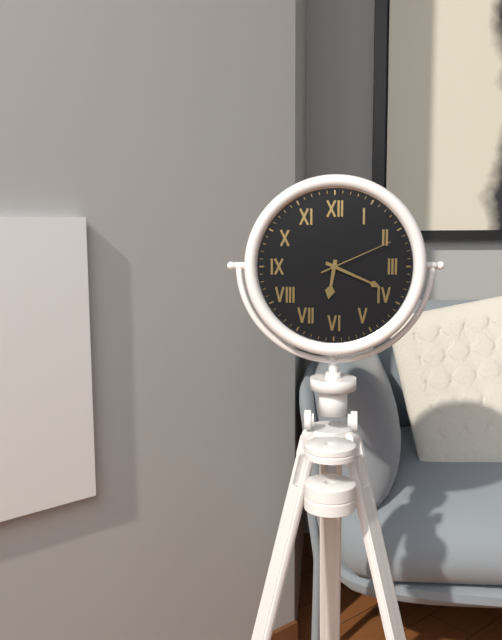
6,19,11
